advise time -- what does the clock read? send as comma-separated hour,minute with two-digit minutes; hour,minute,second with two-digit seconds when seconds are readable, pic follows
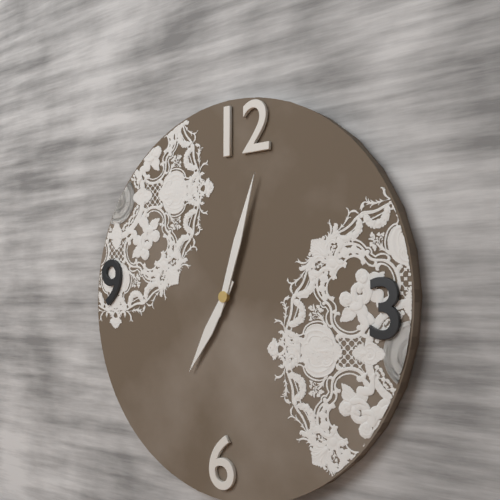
7,03
